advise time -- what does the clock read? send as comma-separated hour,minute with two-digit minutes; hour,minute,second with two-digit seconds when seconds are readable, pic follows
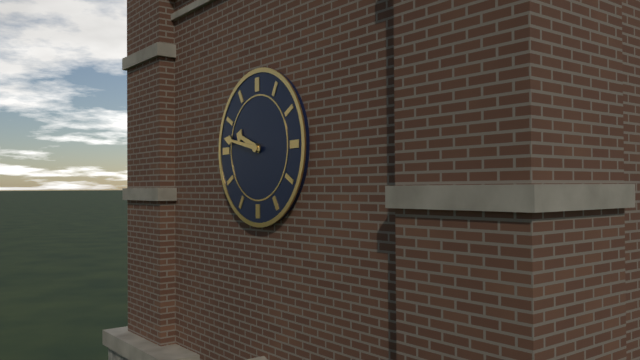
9,47
